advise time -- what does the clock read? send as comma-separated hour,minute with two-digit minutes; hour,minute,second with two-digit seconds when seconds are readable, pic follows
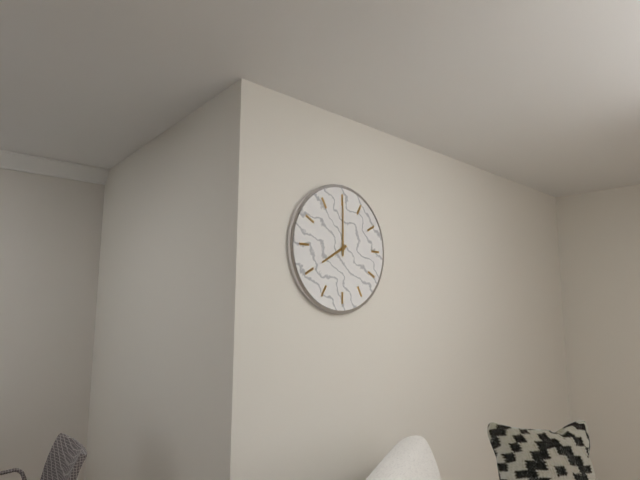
8,00
